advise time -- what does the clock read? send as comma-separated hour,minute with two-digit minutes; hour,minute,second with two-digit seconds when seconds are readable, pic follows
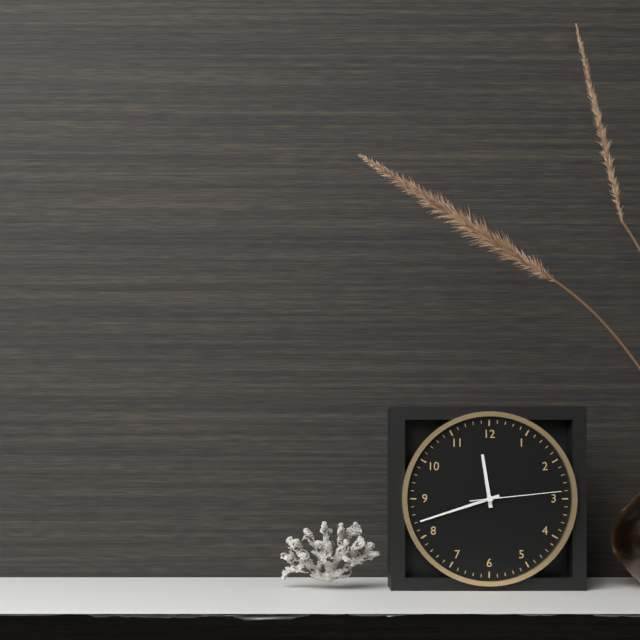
11,42,14
